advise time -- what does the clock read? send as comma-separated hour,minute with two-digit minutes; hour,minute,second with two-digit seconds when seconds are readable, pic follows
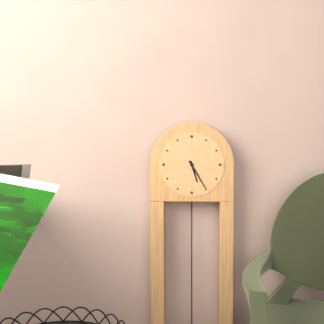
5,25
